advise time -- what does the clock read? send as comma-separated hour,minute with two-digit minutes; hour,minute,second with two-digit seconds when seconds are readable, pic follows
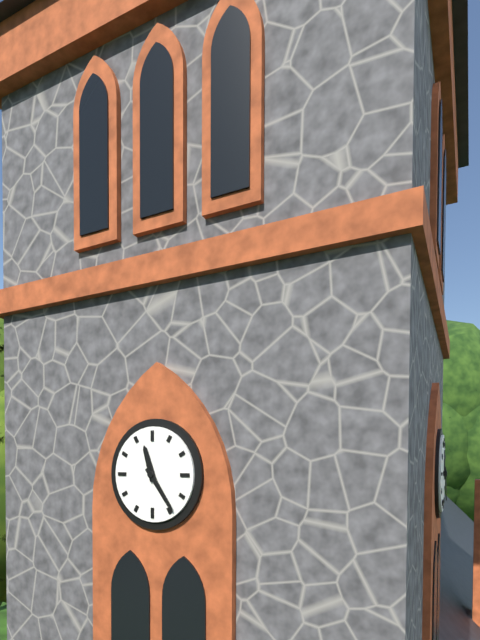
11,24
